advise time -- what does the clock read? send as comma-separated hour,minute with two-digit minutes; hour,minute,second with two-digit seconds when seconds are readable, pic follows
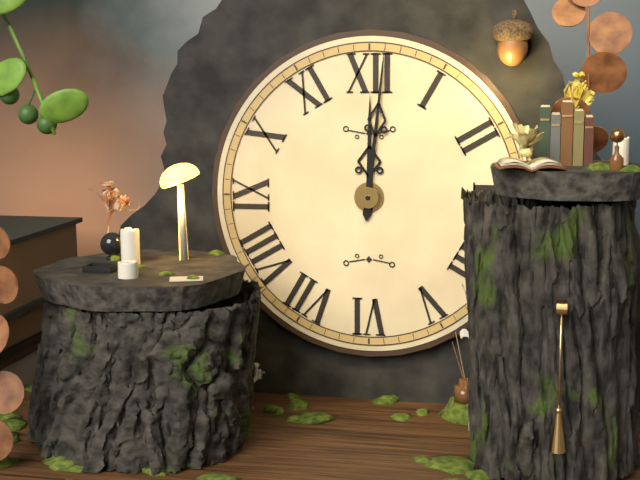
12,01
